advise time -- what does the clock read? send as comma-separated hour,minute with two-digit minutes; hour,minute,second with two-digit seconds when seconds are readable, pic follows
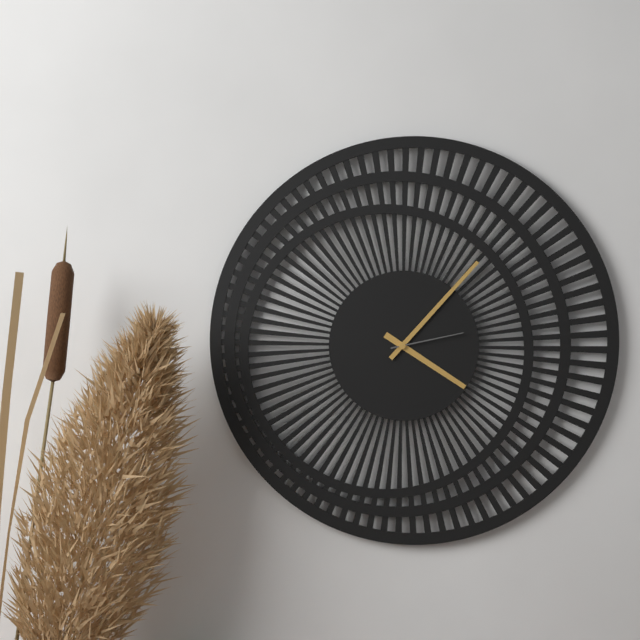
4,07,13
